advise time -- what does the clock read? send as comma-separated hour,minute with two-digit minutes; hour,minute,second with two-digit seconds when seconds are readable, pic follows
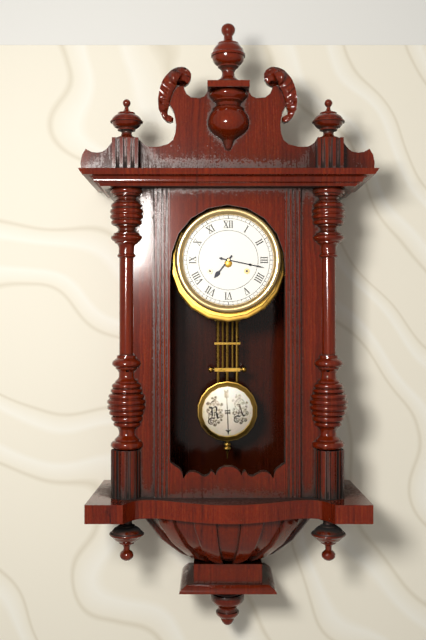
7,17
